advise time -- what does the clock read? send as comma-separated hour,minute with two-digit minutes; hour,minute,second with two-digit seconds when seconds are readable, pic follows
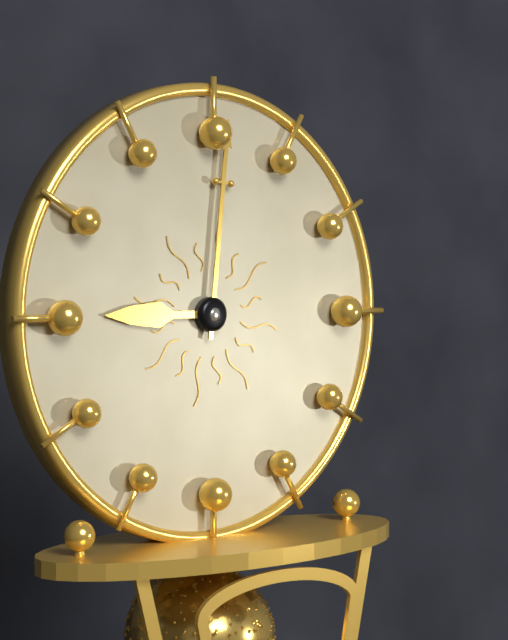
9,01
